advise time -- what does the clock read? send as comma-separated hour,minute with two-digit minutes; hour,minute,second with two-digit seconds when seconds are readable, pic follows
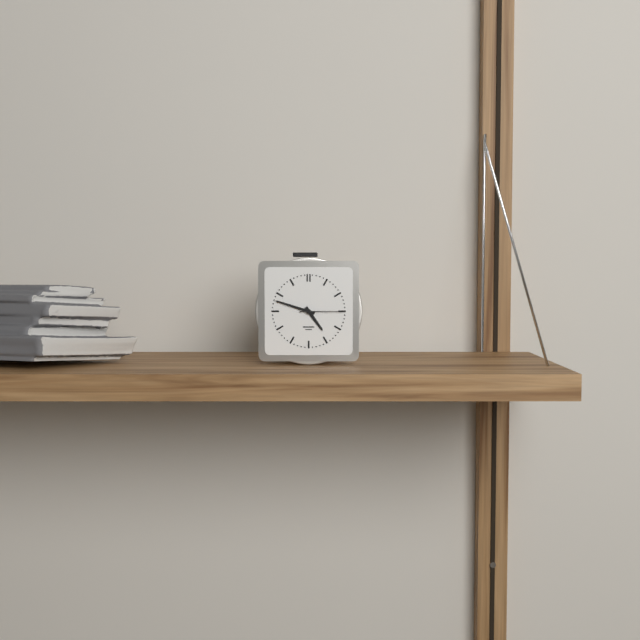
4,48
